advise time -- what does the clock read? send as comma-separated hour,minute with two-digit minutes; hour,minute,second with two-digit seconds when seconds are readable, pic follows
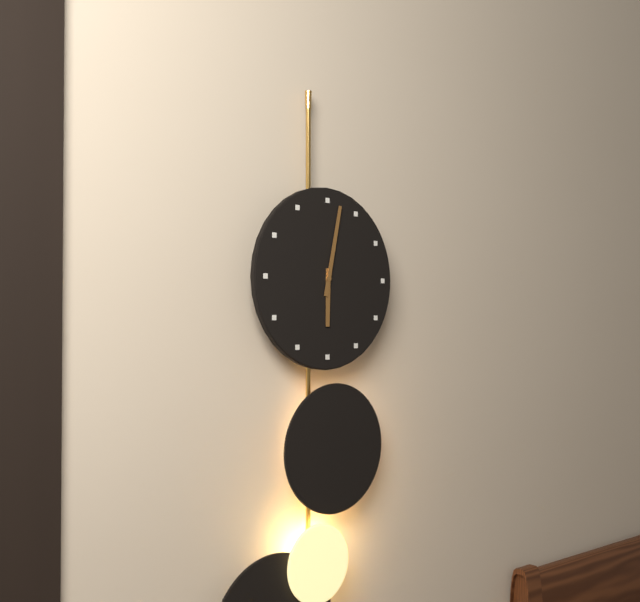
6,02
